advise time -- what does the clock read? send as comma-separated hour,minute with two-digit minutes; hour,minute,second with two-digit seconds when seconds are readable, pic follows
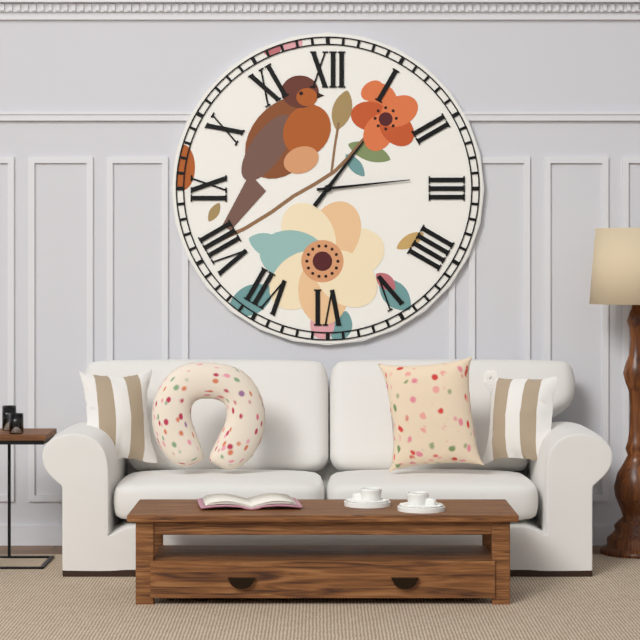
1,14
